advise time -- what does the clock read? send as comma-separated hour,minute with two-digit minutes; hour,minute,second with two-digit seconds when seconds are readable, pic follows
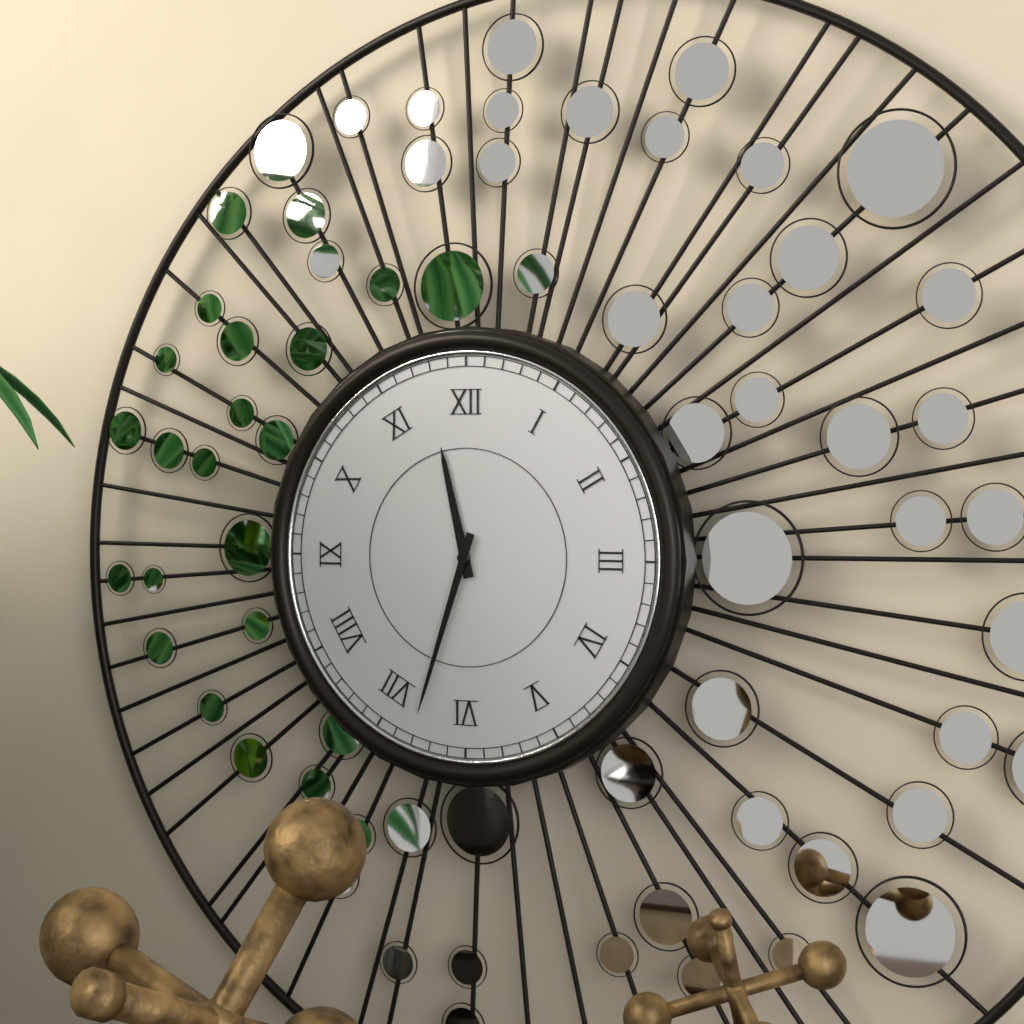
11,33
